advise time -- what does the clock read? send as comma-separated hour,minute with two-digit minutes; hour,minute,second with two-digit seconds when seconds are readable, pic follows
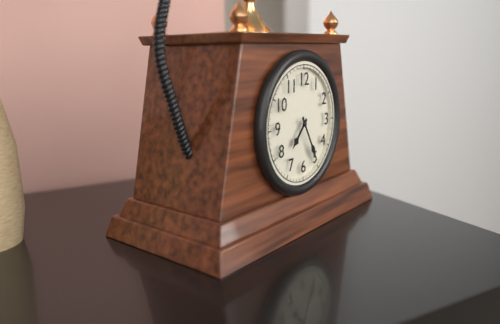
7,25
